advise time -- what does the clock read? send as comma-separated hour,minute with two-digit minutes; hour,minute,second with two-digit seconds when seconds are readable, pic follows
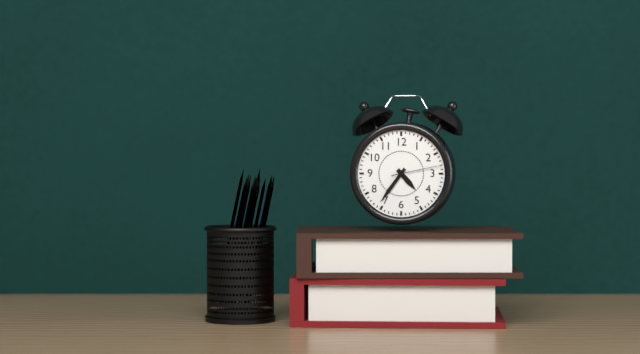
4,36,13
